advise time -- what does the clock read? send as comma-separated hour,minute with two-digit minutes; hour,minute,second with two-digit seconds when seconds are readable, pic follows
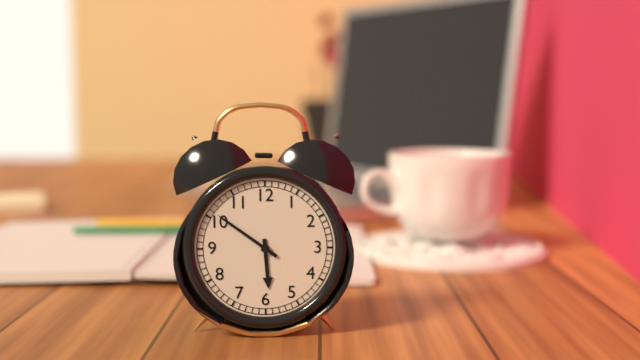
5,51
